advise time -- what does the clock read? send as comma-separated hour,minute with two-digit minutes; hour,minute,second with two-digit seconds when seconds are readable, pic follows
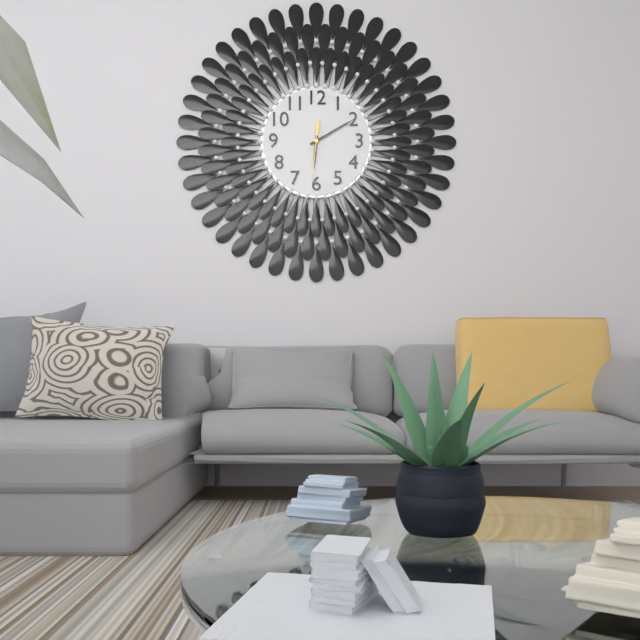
6,10,31
